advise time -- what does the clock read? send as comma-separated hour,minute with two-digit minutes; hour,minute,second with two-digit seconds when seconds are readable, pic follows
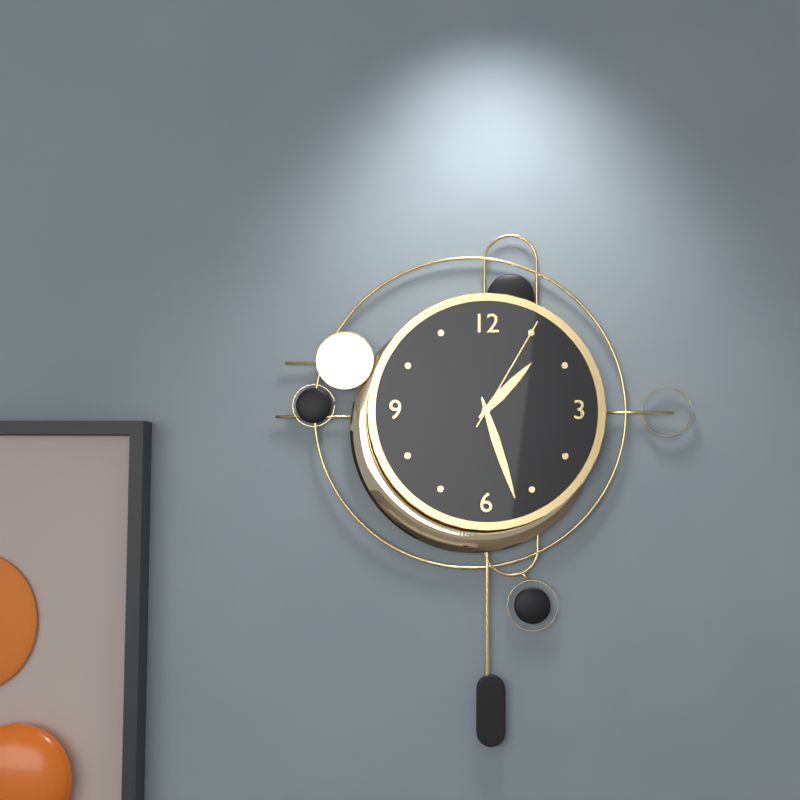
1,27,05
